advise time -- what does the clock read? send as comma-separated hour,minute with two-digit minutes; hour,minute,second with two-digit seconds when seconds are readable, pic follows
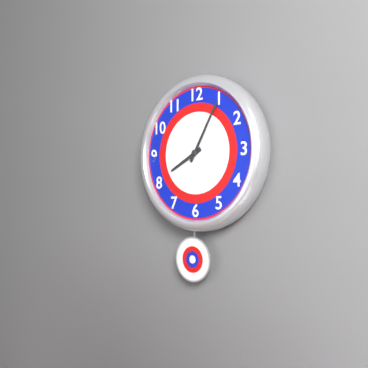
8,05
